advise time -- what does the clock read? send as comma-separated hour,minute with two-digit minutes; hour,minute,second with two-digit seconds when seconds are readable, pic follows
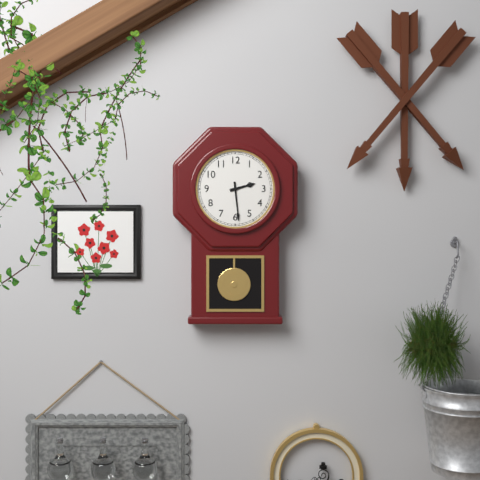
2,29
